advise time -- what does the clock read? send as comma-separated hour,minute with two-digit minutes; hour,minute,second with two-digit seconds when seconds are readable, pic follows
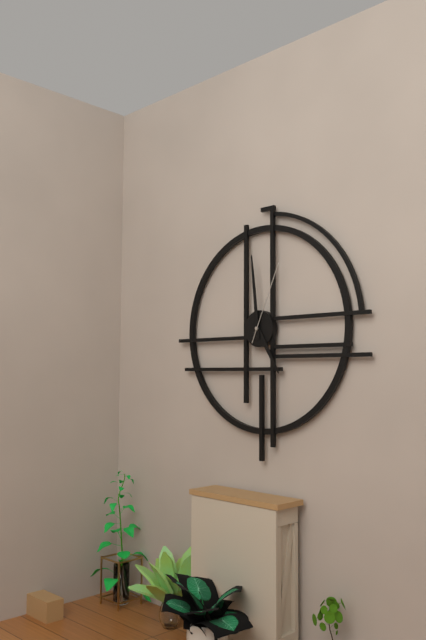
4,59,04
